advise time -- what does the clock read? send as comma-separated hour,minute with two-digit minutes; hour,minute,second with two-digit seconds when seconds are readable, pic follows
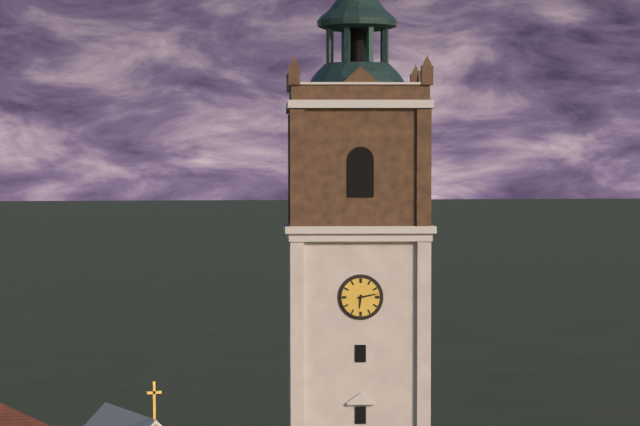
6,13
